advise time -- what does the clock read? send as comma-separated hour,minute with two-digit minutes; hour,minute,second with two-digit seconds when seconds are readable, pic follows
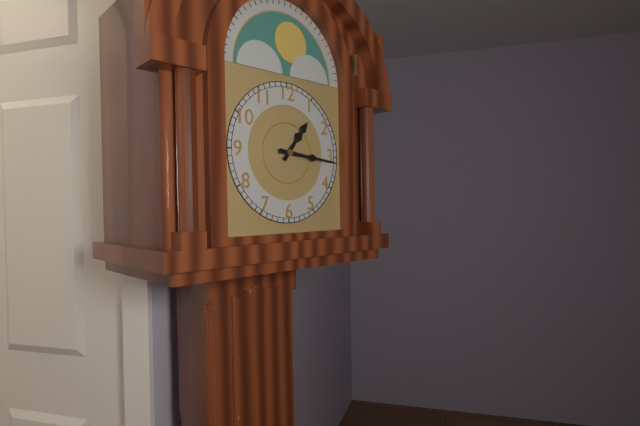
1,16
